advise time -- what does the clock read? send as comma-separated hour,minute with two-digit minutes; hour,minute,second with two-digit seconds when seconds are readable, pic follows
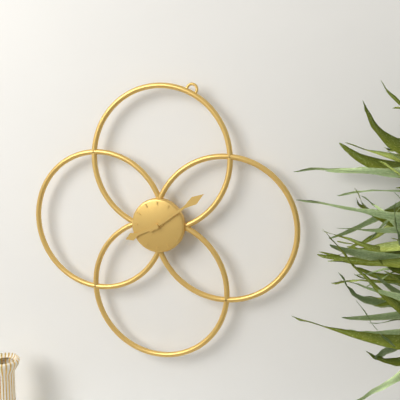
8,09
